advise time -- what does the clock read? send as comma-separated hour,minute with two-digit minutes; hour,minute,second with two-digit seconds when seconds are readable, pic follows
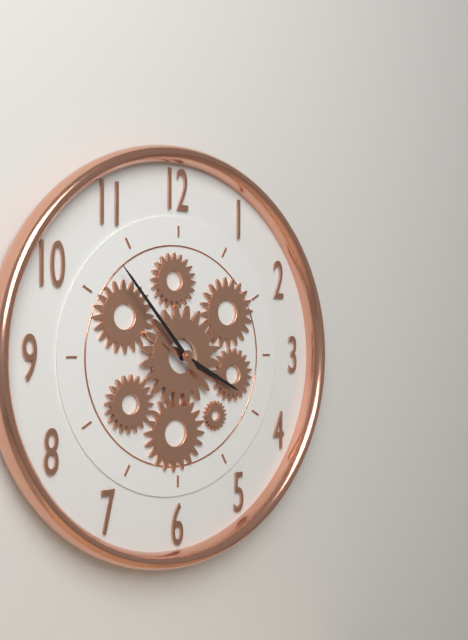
3,53
